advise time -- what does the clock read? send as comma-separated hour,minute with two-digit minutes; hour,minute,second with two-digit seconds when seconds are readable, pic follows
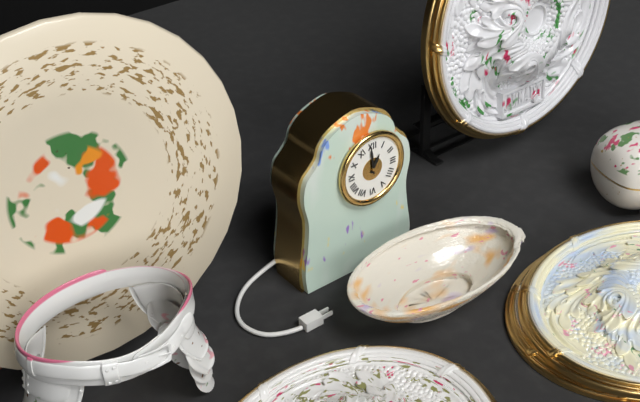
12,59
